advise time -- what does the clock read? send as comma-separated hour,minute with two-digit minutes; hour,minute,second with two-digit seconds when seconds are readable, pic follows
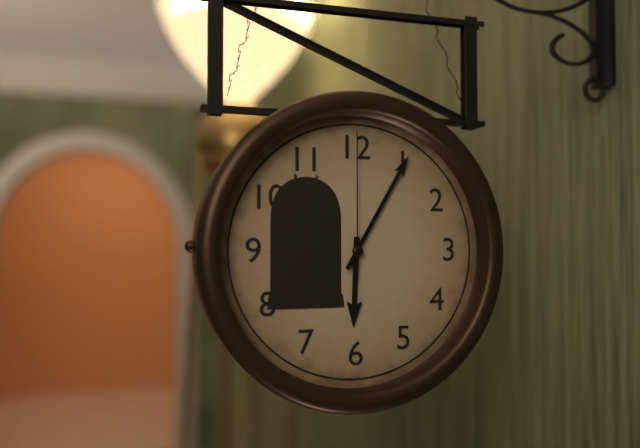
6,05,00
